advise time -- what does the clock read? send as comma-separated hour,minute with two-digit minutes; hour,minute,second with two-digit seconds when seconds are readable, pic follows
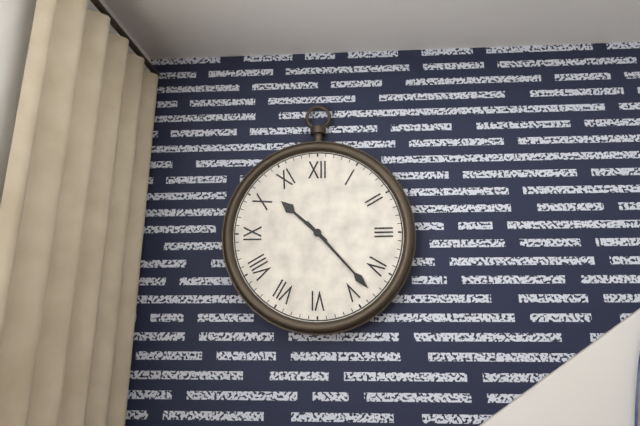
10,23
